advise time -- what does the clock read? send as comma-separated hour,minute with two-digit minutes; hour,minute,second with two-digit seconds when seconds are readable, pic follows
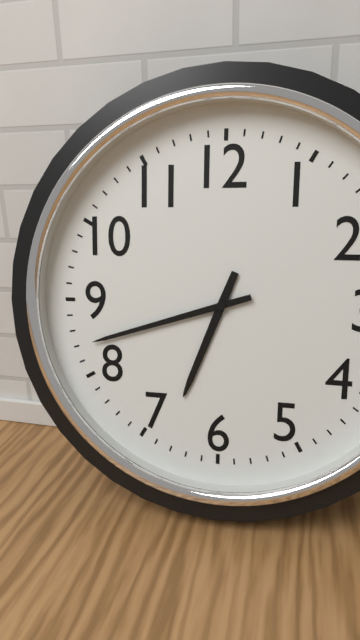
6,42
